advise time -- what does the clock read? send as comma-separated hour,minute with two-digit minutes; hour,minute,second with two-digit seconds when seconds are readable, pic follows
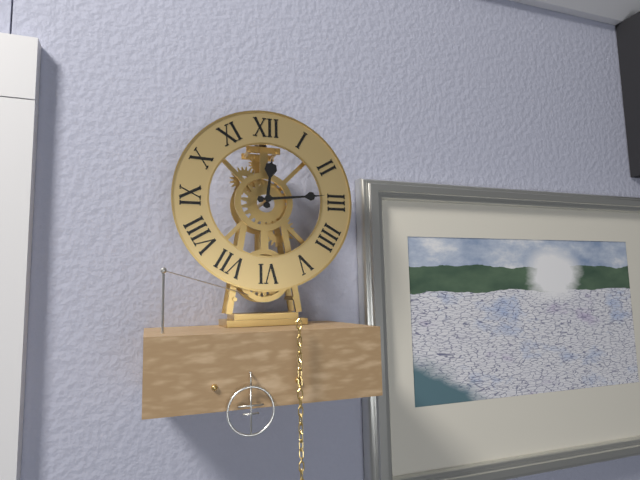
12,14
